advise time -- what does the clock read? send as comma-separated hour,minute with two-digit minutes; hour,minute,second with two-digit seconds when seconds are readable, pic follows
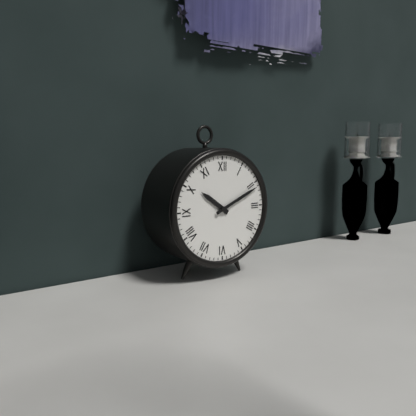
10,11
